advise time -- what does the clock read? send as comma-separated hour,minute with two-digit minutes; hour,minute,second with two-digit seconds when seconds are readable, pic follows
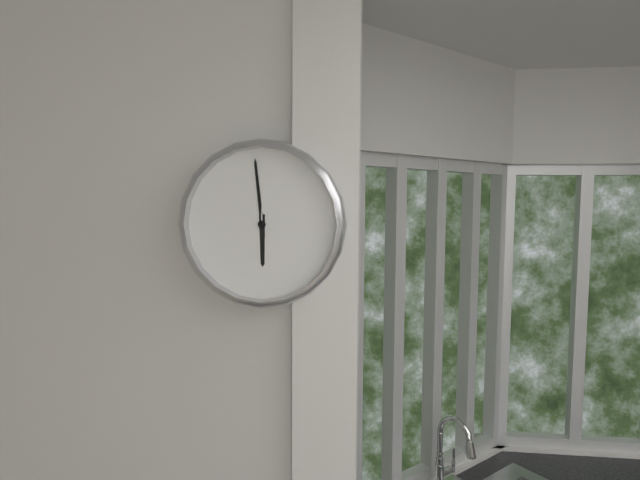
5,59
